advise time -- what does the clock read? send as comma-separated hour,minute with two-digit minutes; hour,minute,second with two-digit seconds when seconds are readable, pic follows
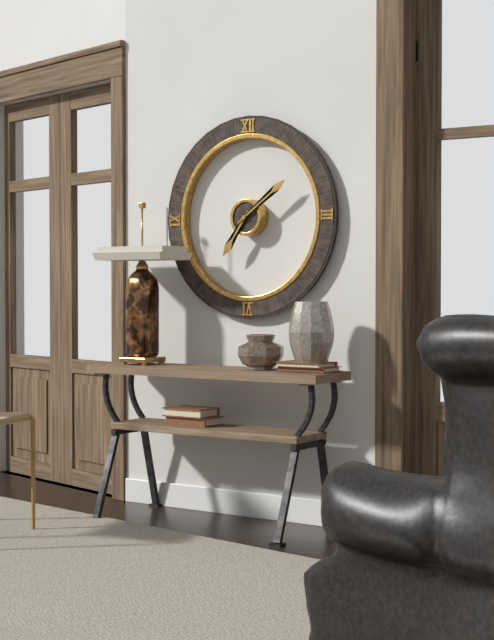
7,09
